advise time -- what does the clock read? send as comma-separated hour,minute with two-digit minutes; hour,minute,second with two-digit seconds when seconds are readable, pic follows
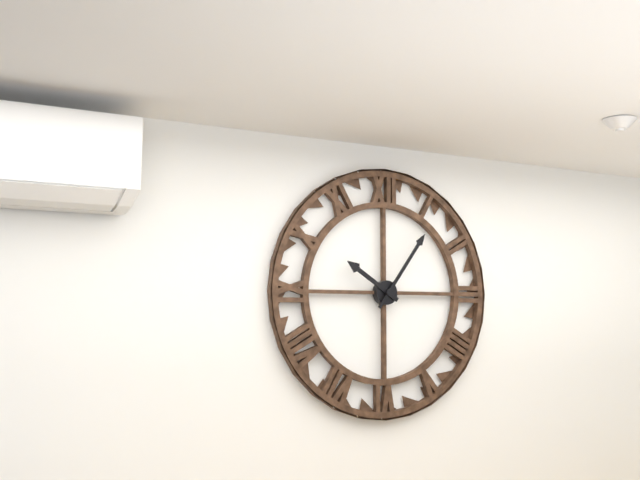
10,06
